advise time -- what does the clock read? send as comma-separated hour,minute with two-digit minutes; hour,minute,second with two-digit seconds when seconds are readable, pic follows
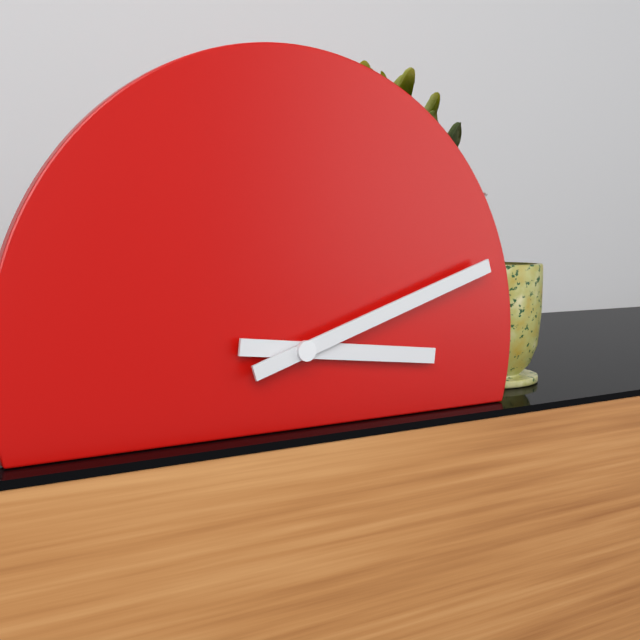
3,12
